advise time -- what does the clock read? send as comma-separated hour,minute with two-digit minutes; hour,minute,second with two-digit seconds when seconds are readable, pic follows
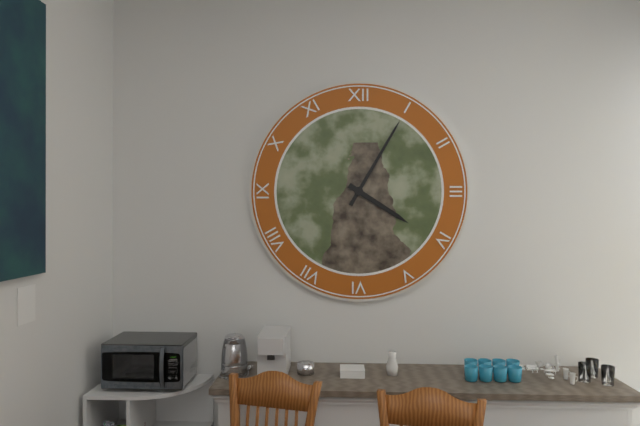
4,05
